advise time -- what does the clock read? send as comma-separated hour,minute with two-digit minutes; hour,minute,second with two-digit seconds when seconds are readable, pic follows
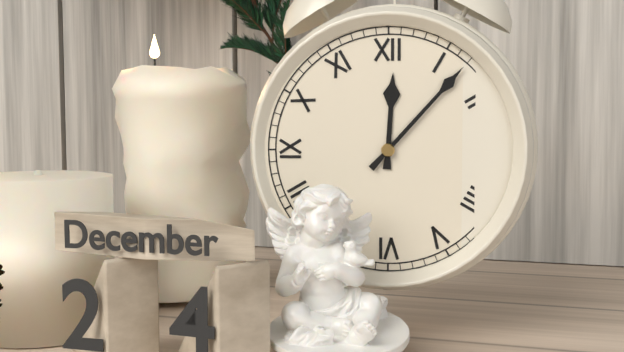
12,07
